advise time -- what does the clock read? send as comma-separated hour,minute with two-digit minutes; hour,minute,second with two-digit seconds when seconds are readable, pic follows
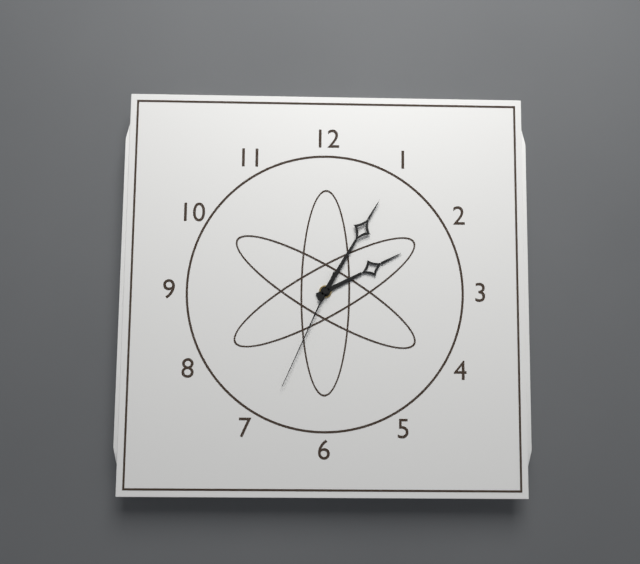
2,05,34
